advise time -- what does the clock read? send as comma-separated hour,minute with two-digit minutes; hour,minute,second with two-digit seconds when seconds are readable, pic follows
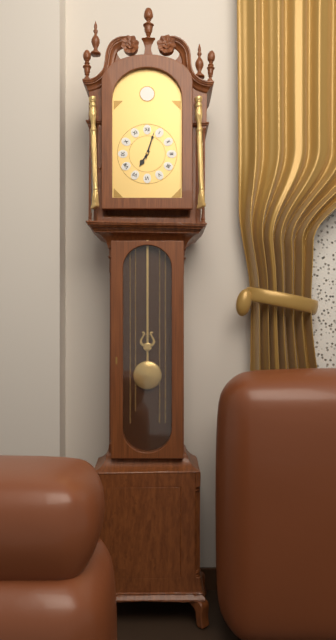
7,03
